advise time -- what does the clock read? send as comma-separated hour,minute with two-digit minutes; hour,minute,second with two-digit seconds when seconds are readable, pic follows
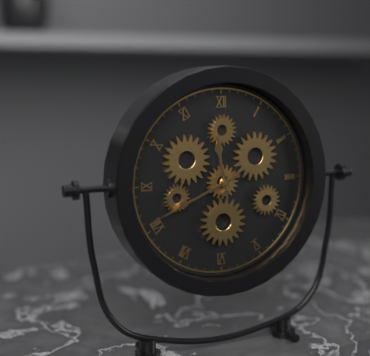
11,41
